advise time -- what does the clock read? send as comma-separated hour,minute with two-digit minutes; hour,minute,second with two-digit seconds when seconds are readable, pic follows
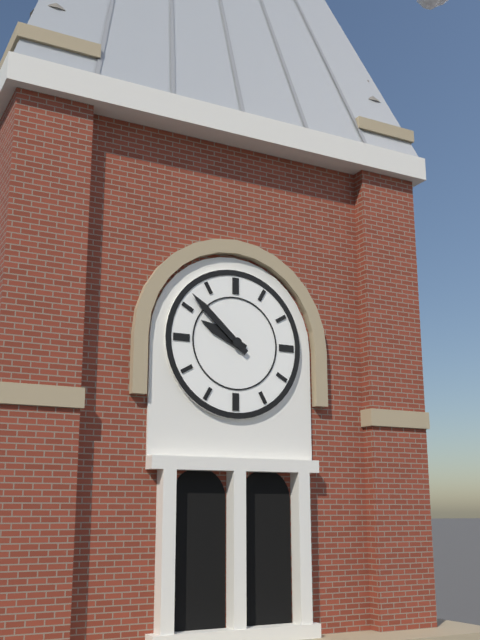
9,52
